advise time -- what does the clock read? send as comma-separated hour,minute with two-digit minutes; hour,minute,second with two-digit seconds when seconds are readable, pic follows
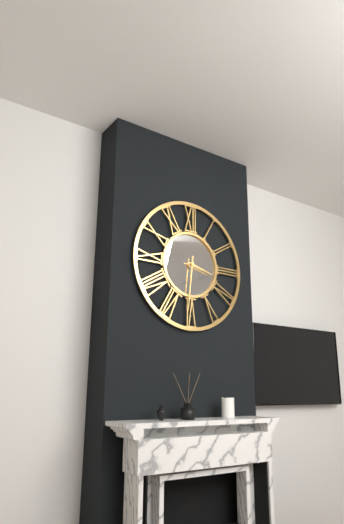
3,31
